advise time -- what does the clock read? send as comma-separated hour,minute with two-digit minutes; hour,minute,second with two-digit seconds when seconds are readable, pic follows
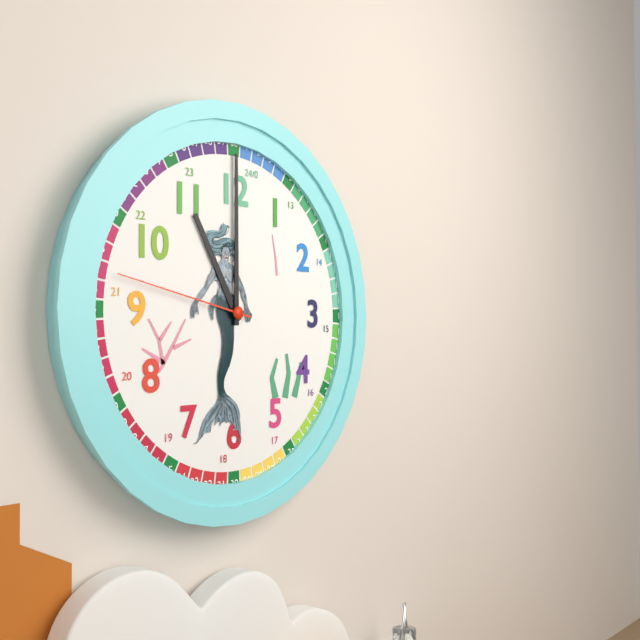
11,00,47
